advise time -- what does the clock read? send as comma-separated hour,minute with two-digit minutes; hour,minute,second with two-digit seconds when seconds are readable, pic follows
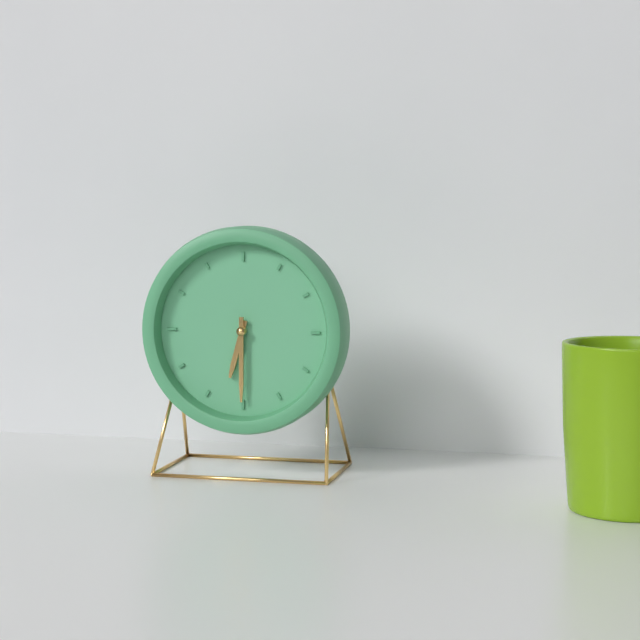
6,30
